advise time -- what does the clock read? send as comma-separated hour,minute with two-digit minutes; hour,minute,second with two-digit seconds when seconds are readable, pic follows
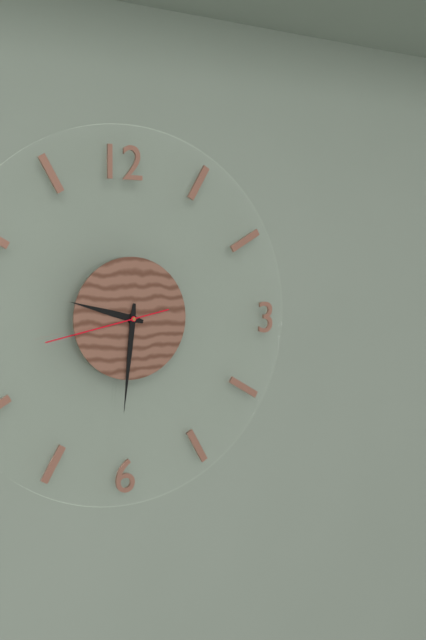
9,31,43
